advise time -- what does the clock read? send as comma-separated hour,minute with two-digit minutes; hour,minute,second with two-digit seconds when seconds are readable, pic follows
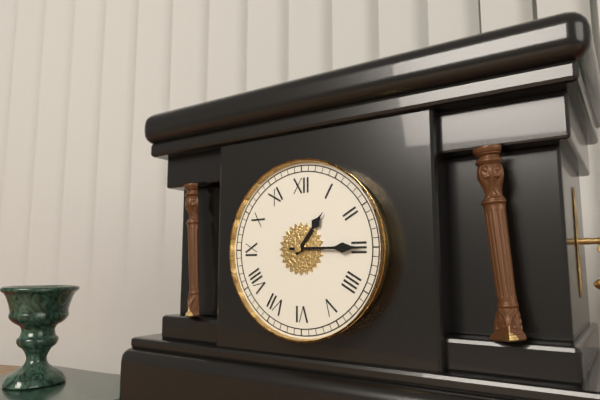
1,15
